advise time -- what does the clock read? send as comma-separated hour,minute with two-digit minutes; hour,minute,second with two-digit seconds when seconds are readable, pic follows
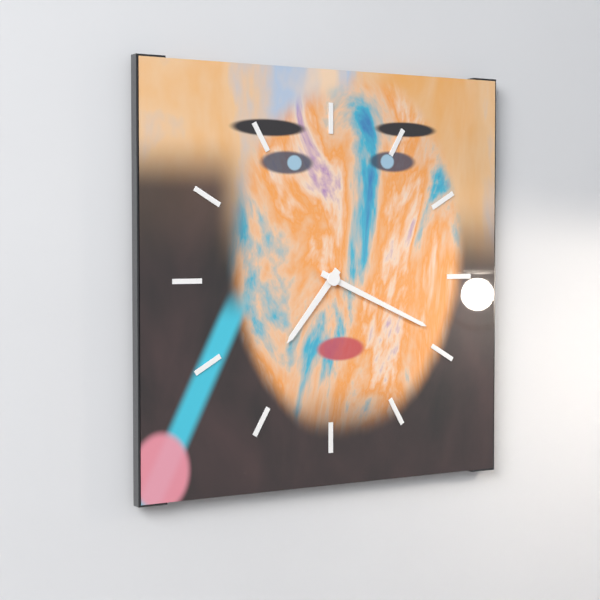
7,19
